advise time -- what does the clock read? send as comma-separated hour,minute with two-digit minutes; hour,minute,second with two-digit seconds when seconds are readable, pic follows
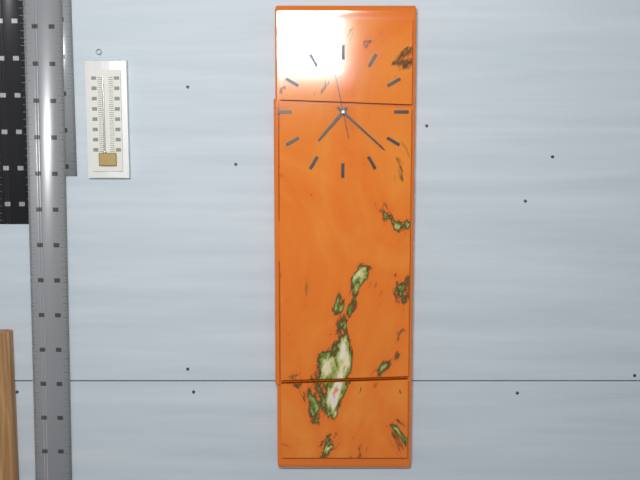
7,22,58
